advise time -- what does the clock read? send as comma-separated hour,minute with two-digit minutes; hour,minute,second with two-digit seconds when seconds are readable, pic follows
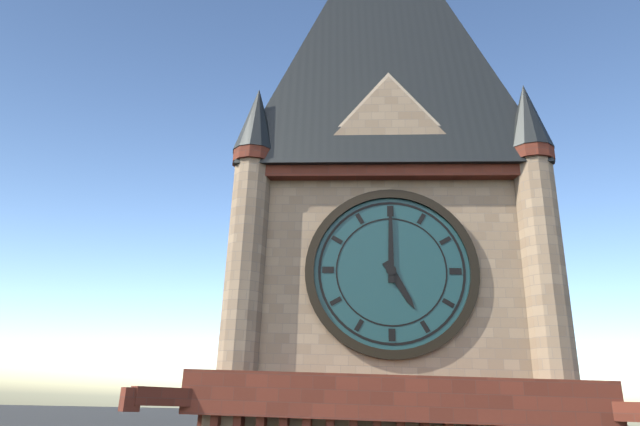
5,00
